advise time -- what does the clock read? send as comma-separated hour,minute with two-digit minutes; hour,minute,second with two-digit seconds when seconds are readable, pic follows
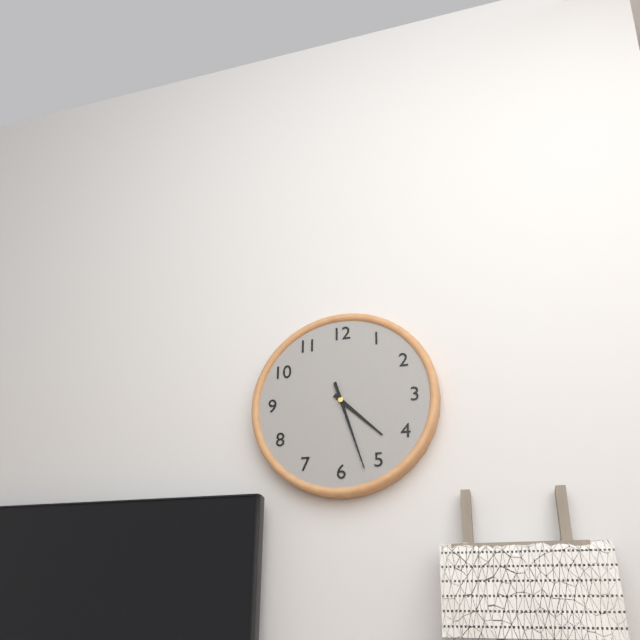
4,27
